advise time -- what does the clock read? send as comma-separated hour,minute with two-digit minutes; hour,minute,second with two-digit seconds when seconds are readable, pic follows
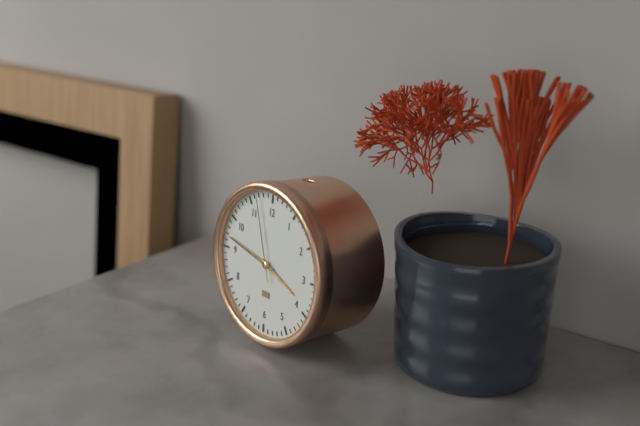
3,47,57
